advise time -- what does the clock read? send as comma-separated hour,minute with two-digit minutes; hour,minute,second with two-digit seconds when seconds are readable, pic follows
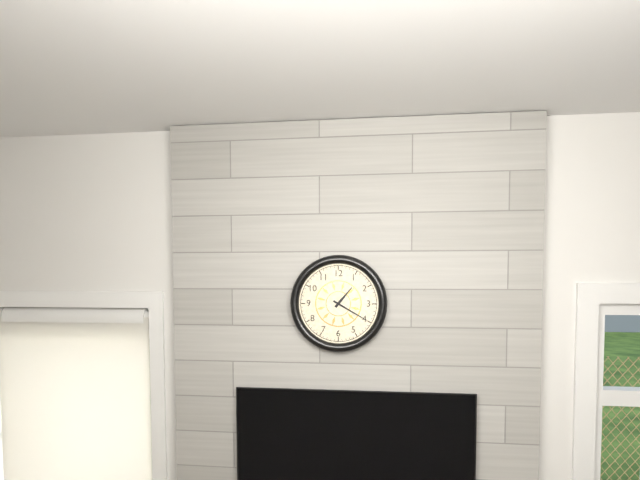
1,20
